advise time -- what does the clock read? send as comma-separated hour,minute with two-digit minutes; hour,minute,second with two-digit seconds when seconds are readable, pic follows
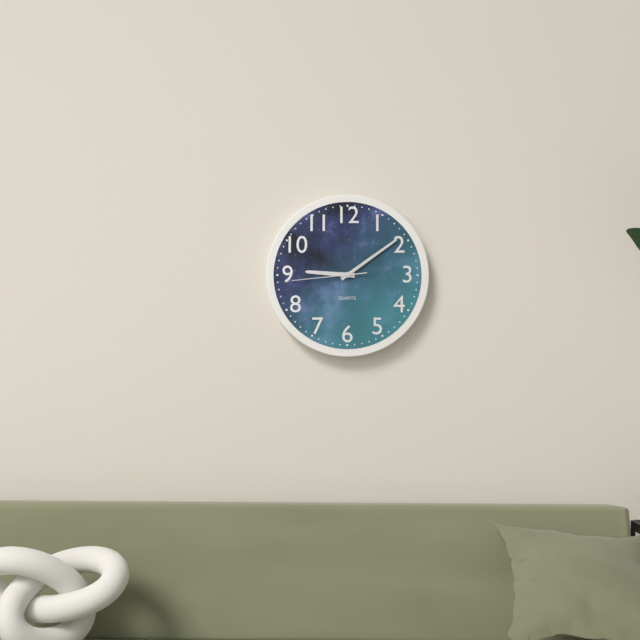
9,09,44
